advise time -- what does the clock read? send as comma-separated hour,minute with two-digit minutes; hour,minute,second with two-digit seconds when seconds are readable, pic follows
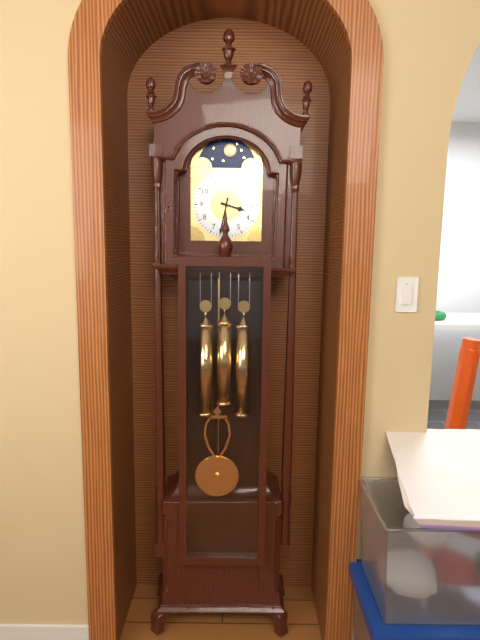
3,32
